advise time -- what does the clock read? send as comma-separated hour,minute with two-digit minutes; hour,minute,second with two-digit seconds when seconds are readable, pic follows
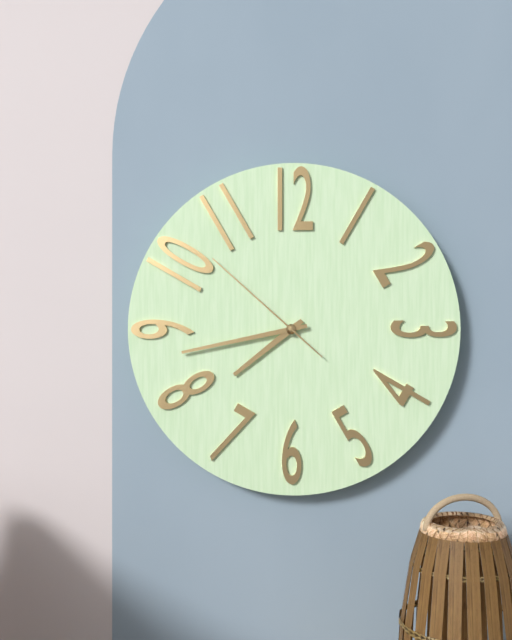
7,43,52
